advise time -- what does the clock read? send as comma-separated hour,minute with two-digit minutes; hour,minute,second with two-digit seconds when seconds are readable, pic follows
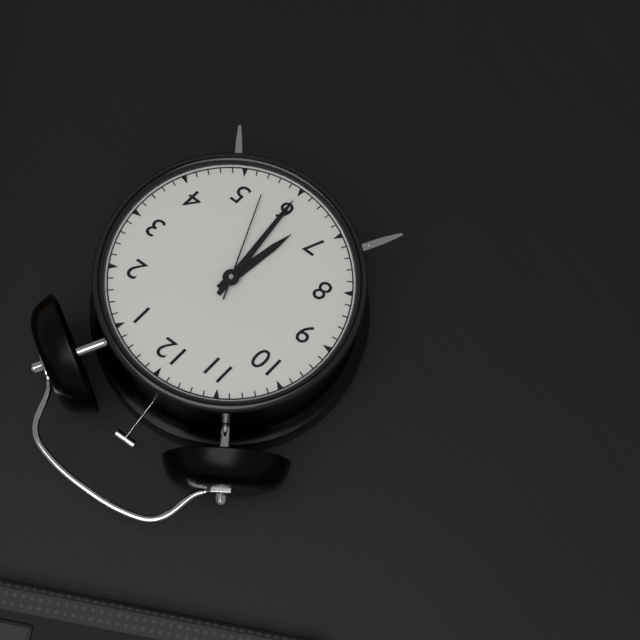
6,30,27
